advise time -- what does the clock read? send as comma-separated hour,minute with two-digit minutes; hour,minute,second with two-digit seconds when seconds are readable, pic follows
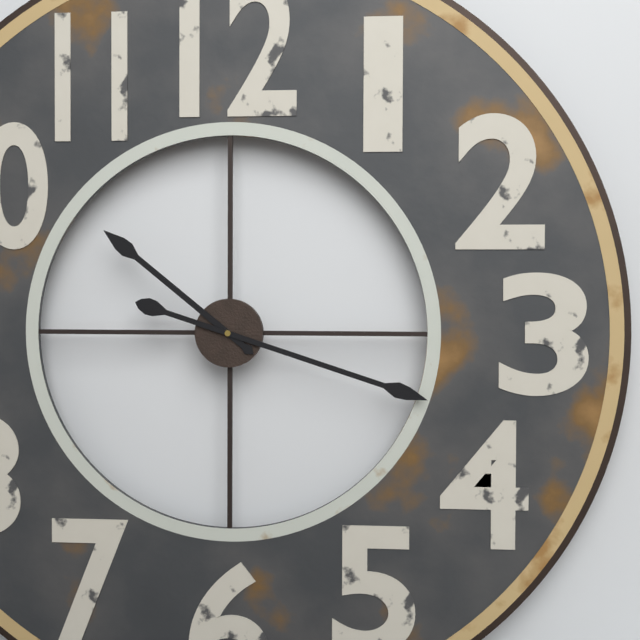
10,18
